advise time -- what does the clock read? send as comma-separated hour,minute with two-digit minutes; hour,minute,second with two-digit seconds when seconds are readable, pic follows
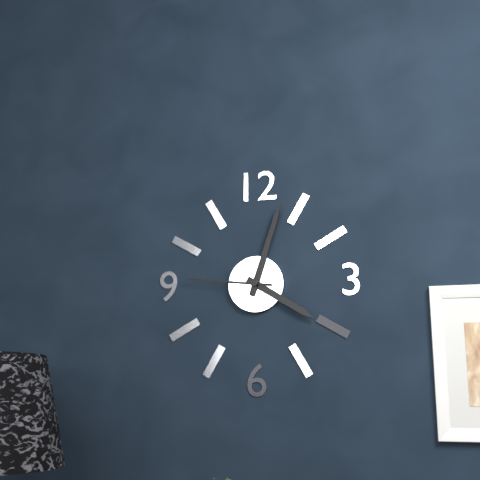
4,03,46
